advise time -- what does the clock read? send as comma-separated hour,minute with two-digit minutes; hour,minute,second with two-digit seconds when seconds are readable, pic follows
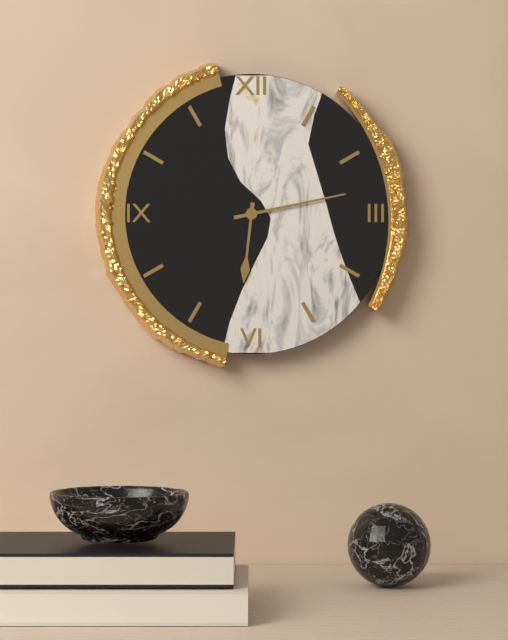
6,13
